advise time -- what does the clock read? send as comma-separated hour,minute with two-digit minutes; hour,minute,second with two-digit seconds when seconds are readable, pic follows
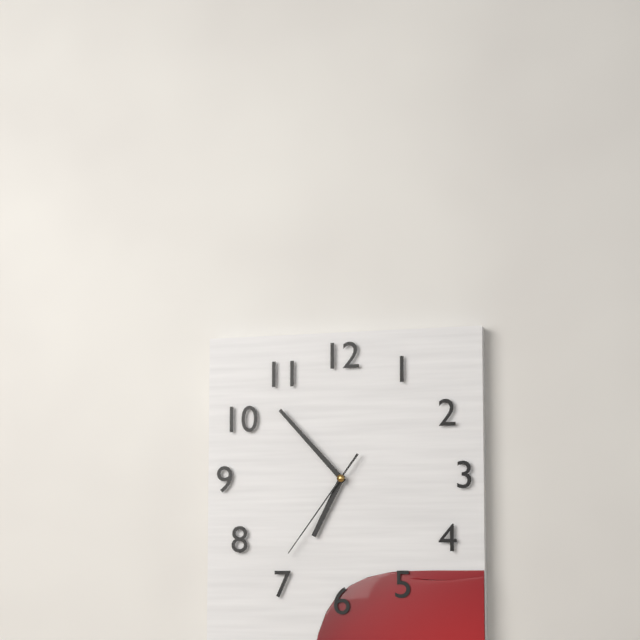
6,53,36
